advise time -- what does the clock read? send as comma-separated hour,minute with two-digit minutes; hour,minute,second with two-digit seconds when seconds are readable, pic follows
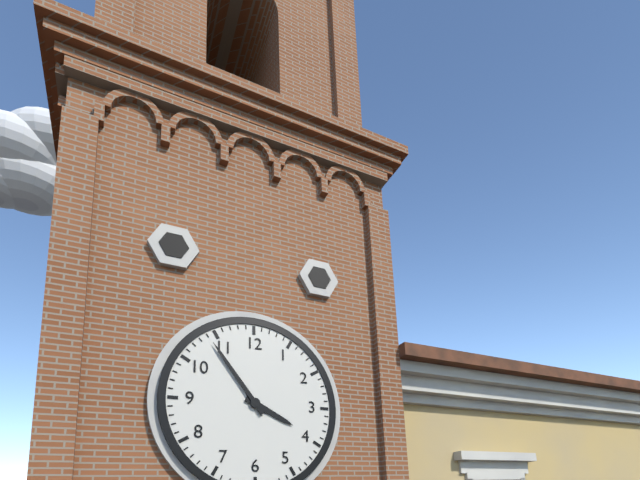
3,54
